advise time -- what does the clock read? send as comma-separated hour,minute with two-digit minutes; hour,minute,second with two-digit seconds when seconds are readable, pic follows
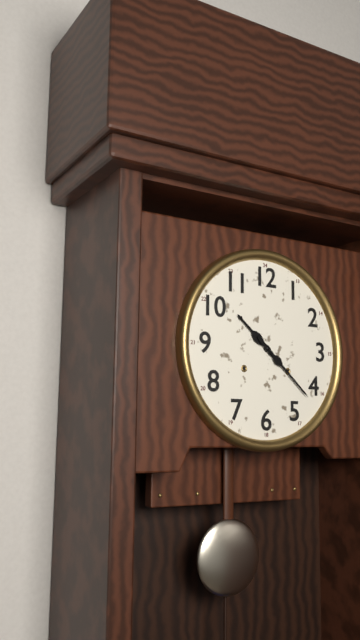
10,22
